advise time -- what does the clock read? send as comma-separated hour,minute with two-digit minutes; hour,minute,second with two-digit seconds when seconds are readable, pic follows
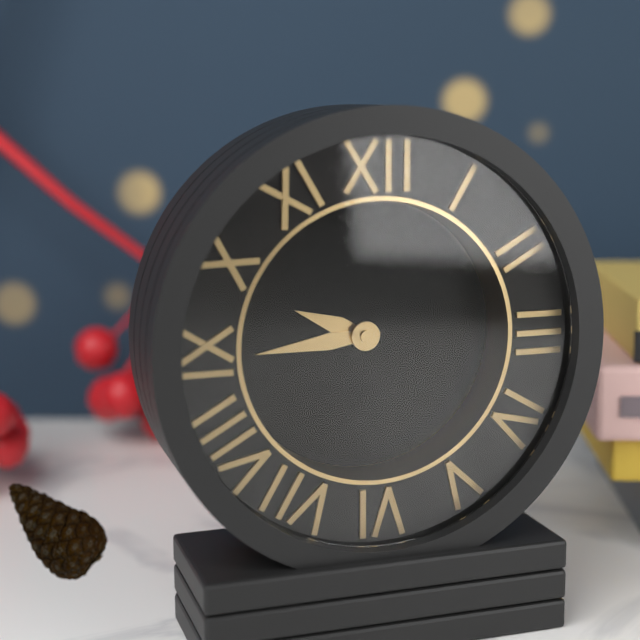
9,44
